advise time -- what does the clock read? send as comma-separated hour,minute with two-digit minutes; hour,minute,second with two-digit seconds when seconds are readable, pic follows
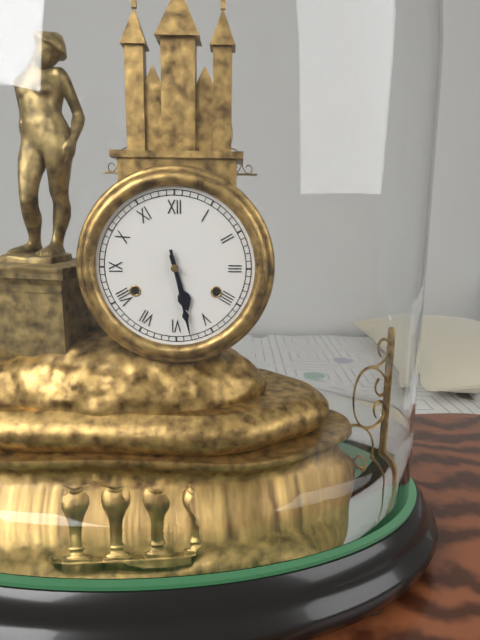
5,28
